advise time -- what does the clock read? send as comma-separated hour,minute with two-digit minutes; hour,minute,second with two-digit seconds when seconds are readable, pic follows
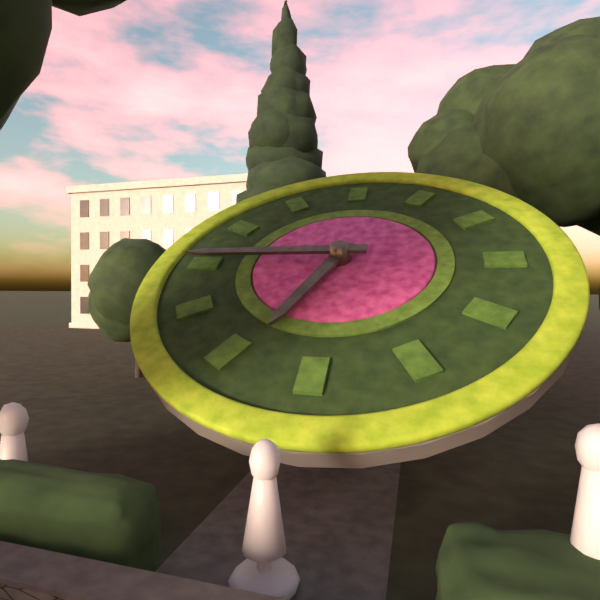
6,45
